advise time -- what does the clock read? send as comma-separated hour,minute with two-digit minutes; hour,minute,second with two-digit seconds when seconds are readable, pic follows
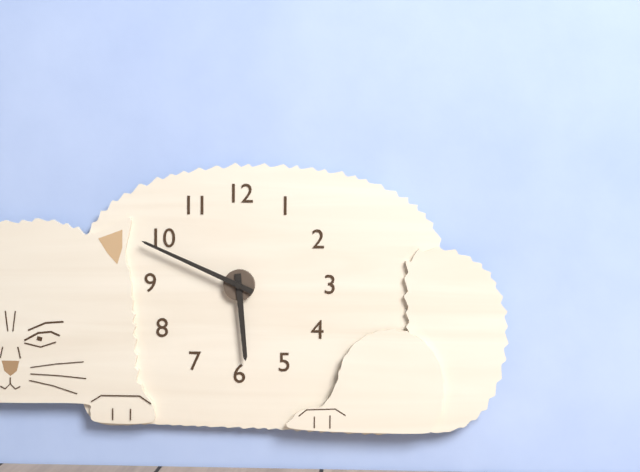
5,49
